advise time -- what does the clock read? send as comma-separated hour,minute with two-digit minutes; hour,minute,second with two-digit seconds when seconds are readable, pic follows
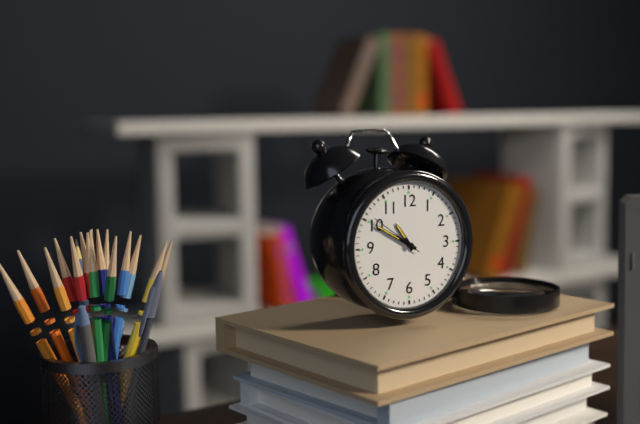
10,50,51
